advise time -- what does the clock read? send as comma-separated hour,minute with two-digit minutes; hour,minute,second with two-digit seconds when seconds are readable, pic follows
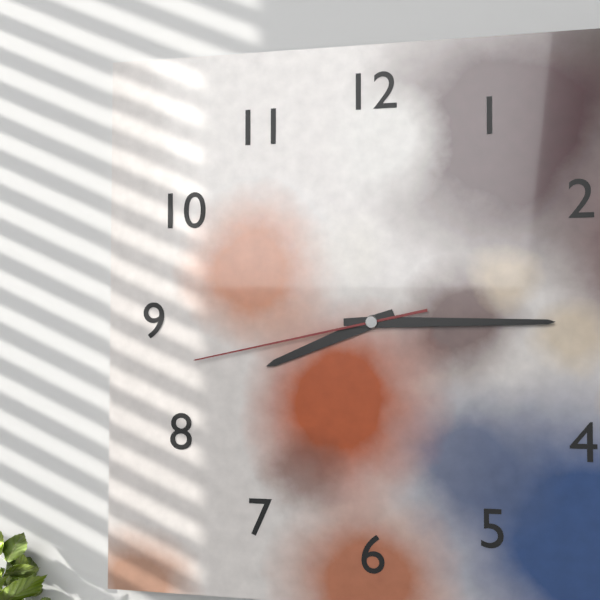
8,15,43
